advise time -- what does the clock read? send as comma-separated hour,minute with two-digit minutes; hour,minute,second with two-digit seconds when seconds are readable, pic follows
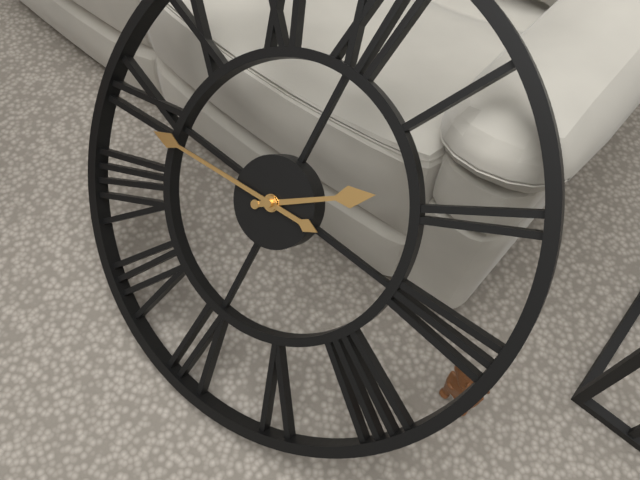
1,44
